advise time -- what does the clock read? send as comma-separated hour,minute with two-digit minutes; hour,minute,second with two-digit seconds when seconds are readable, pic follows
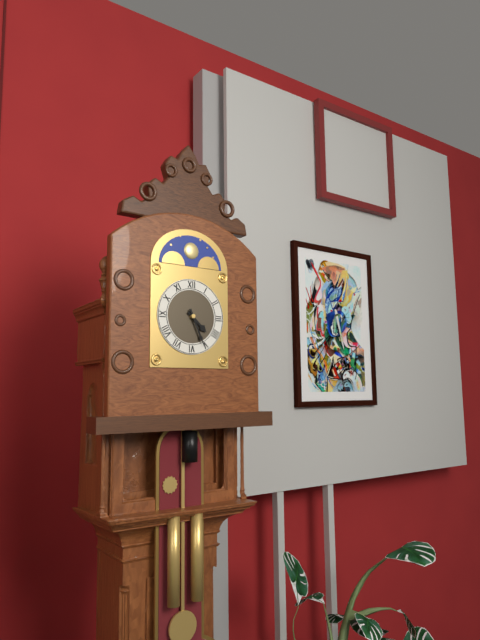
4,26
